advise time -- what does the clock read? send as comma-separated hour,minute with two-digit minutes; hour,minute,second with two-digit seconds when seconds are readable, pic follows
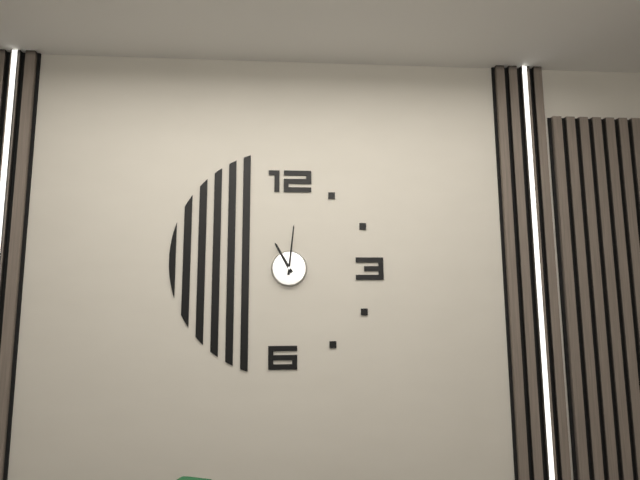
11,01
